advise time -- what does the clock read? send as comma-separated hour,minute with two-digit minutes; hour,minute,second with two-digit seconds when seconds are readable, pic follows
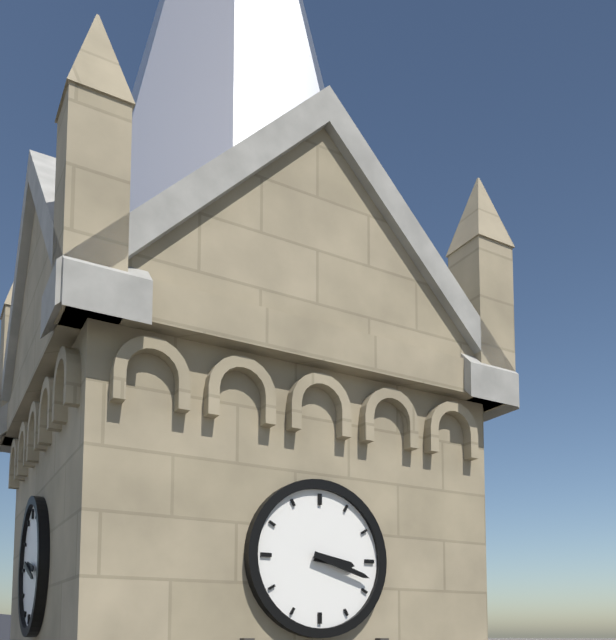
3,18
